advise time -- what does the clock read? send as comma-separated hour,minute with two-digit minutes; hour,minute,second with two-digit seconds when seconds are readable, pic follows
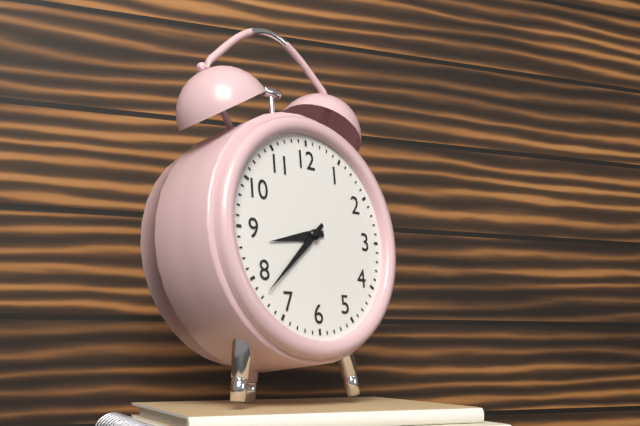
8,38
